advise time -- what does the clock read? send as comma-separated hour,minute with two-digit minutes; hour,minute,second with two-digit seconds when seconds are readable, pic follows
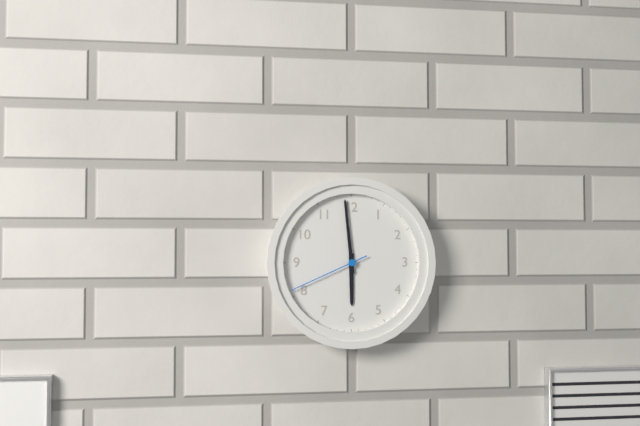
5,59,41
